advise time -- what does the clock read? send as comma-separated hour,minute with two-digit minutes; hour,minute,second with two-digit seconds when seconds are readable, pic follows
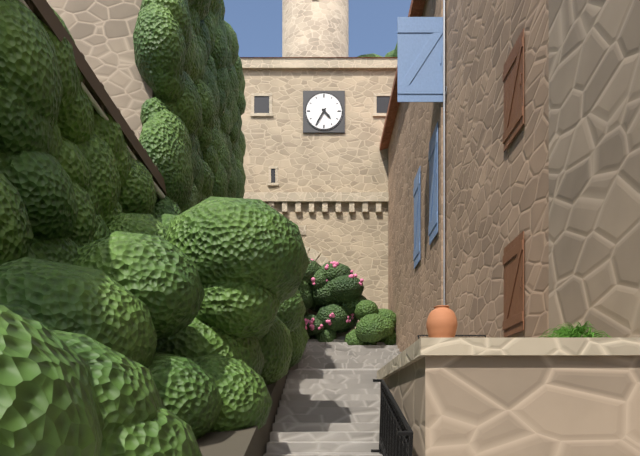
4,35
